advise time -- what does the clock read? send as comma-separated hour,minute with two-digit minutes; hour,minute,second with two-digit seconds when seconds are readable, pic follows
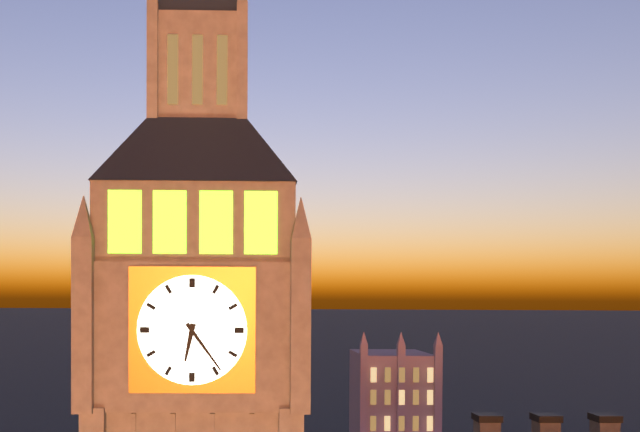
6,24
